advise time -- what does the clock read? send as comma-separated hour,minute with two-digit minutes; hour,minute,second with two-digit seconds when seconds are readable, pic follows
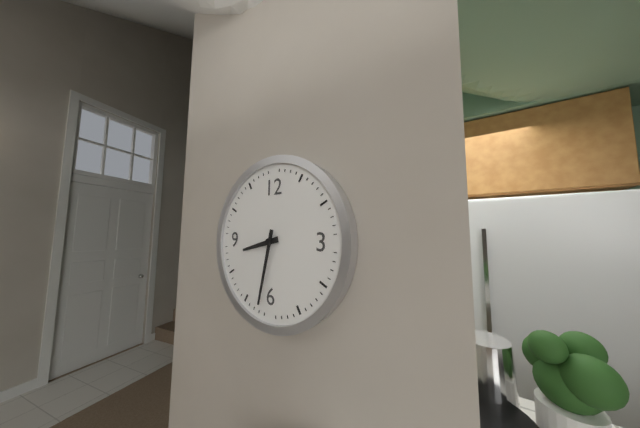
8,32
